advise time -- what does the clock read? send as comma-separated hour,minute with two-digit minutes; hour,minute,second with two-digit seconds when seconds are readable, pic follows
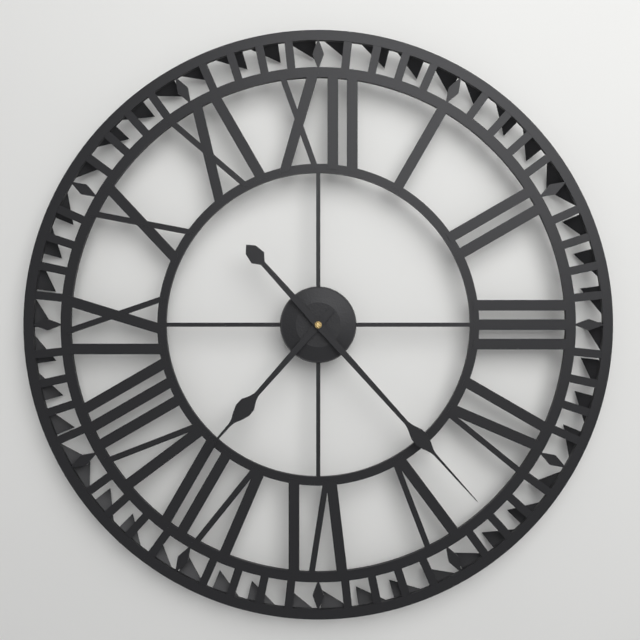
7,23
